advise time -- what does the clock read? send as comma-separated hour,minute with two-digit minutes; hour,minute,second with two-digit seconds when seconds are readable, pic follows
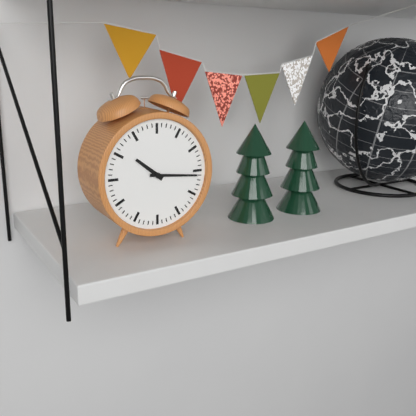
10,16
